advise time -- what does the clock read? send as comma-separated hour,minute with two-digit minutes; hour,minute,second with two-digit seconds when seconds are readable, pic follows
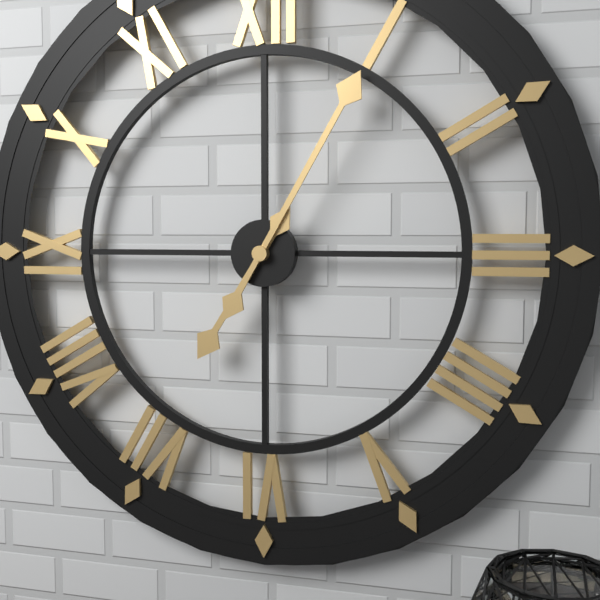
7,05
